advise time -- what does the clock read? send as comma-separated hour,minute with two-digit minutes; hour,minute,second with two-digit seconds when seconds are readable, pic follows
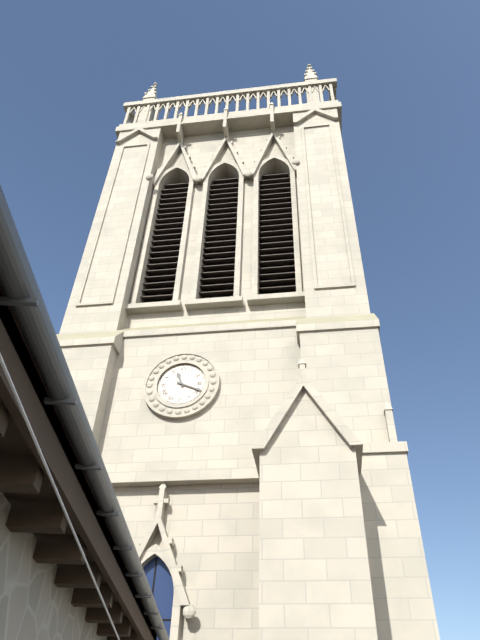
11,19
